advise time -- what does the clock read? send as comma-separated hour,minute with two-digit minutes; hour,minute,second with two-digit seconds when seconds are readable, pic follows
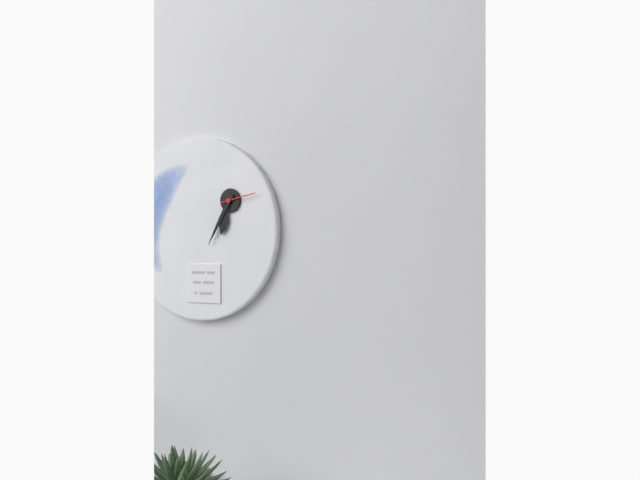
6,35
